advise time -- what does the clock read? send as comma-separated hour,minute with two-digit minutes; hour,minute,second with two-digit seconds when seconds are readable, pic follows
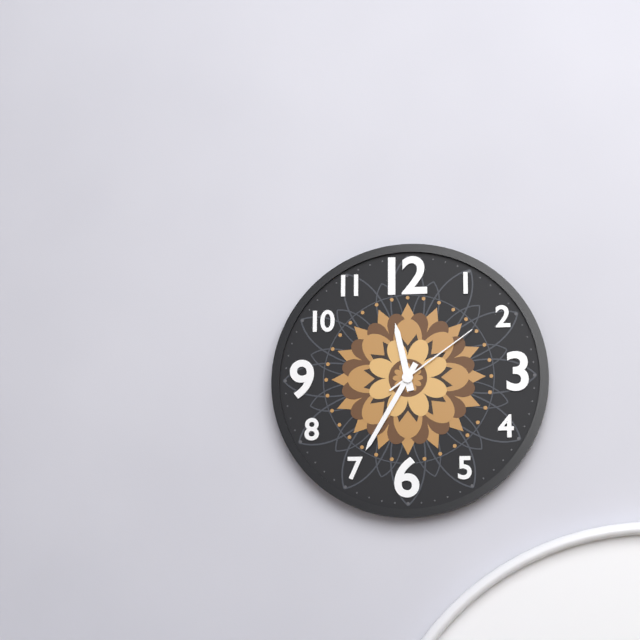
11,35,09
